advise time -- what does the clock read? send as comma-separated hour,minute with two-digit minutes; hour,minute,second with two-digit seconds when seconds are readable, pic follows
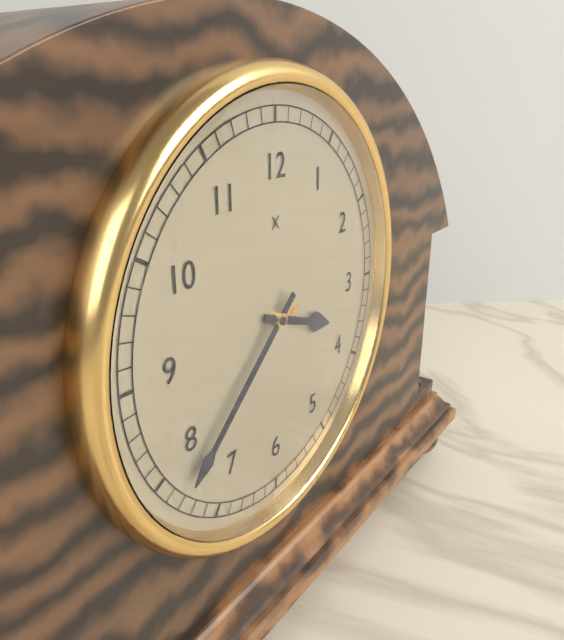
3,38
